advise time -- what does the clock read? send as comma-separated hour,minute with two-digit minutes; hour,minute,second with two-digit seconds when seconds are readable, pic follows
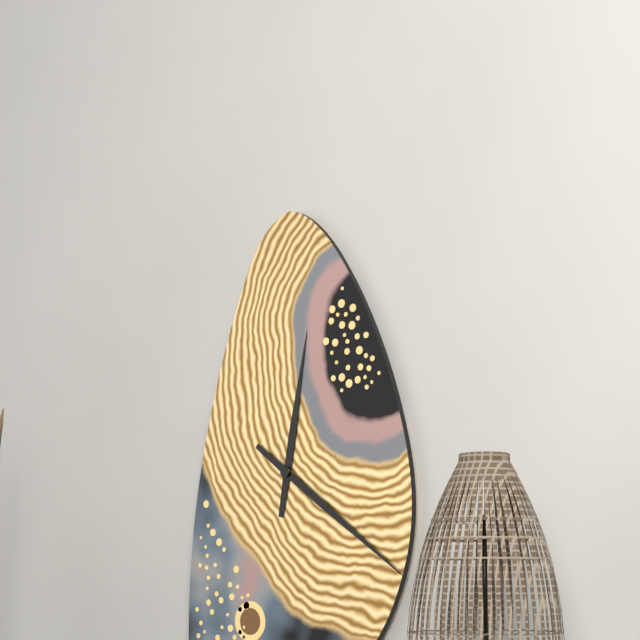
12,21
